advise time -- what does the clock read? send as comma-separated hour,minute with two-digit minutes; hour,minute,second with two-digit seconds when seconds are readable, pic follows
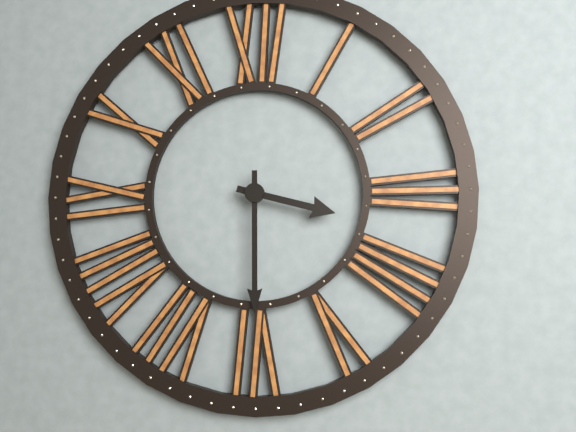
3,30
